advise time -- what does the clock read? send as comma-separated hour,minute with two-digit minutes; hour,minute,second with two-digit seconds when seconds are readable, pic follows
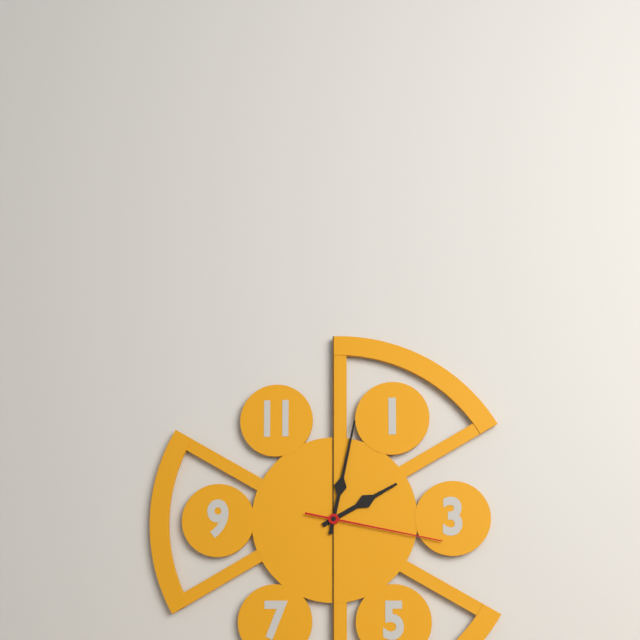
2,02,17
